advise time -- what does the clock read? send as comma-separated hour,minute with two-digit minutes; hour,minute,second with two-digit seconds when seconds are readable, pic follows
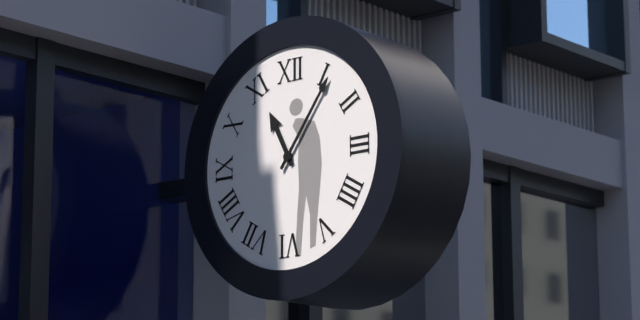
11,06
